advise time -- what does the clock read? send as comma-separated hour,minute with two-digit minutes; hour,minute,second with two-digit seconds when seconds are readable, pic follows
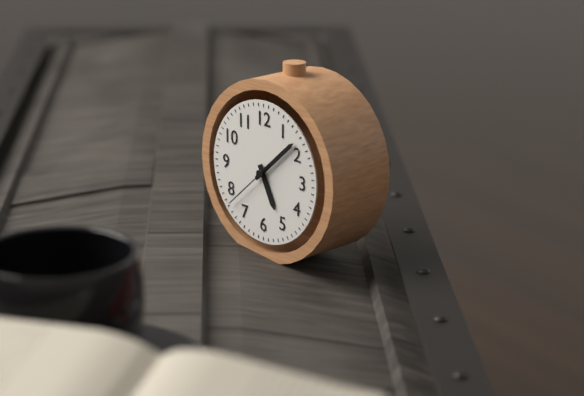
5,08,38
